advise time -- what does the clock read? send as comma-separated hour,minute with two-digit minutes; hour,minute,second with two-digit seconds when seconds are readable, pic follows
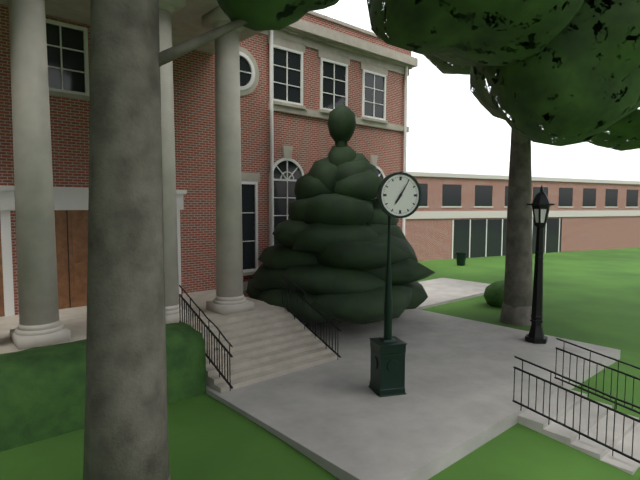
7,05
